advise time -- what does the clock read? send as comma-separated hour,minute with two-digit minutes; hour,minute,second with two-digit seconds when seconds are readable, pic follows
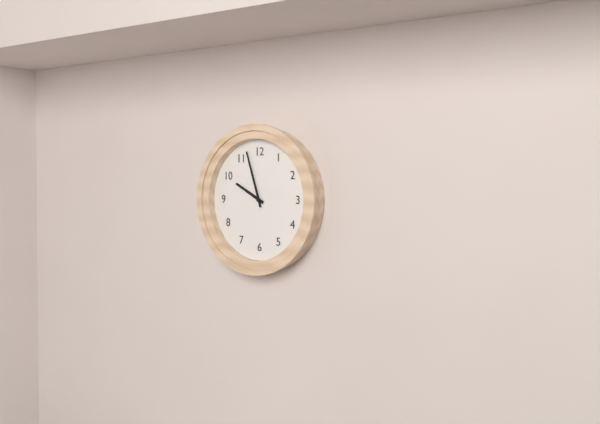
9,57
